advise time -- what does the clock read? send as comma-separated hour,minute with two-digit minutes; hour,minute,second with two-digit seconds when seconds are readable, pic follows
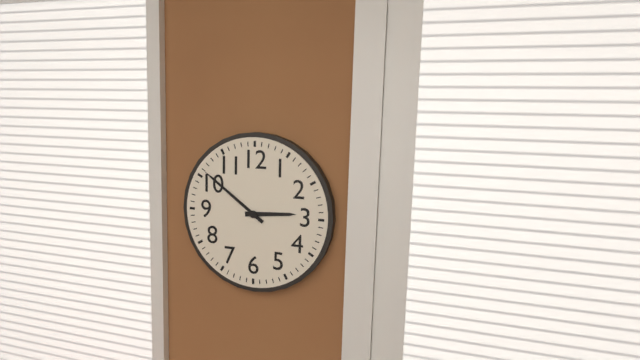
2,51
